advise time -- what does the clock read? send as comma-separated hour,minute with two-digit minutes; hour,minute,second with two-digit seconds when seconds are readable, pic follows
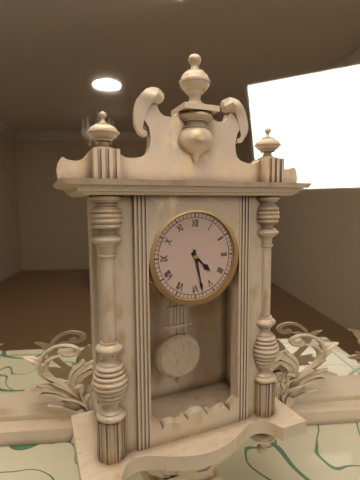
4,28
